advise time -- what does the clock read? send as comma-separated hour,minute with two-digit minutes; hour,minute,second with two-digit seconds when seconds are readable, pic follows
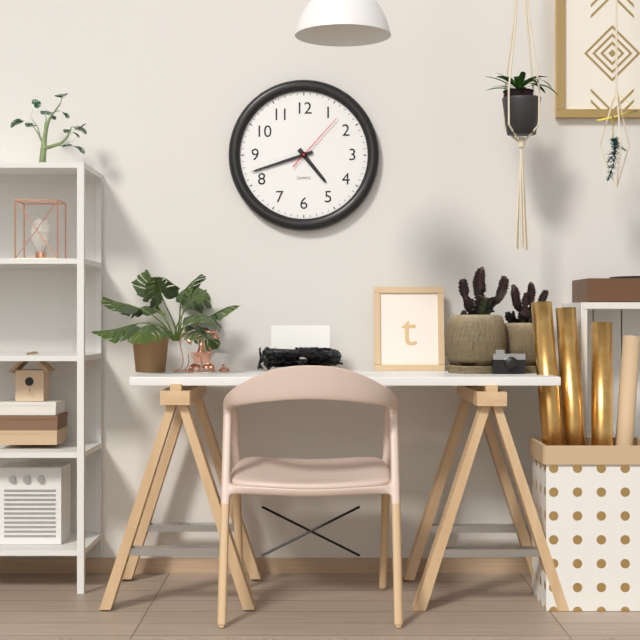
4,42,07
